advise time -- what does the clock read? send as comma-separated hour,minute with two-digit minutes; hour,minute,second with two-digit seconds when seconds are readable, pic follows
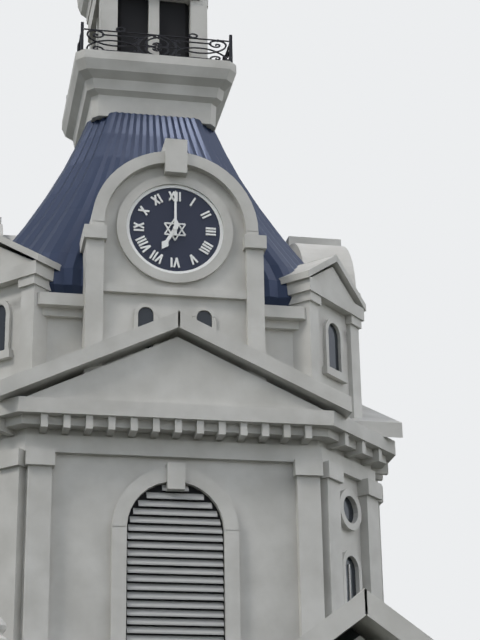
7,00
